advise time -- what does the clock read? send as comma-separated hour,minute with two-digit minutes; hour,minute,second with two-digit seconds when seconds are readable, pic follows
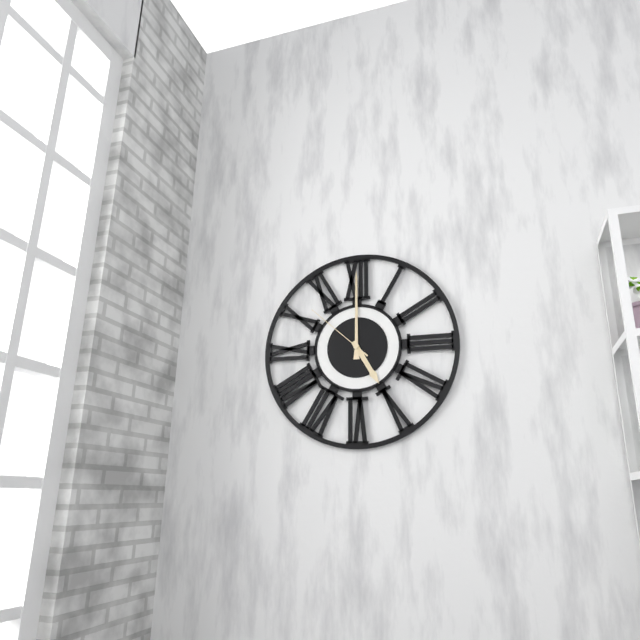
5,00,52
